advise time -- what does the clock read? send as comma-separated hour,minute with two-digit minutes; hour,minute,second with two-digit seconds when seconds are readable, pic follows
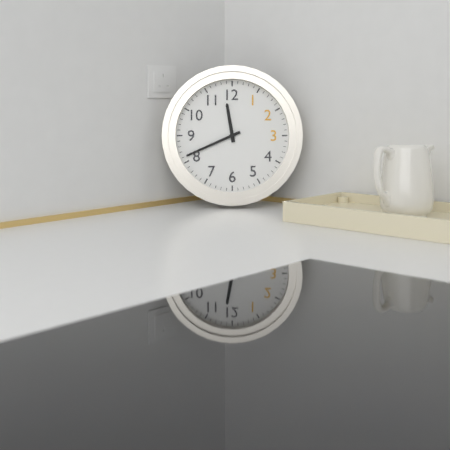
11,41
